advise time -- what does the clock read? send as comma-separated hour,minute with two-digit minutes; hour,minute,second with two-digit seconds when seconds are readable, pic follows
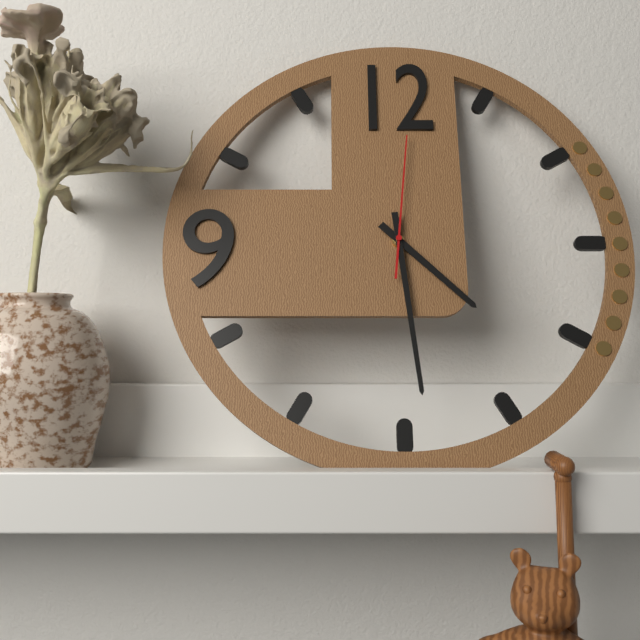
4,29,01
